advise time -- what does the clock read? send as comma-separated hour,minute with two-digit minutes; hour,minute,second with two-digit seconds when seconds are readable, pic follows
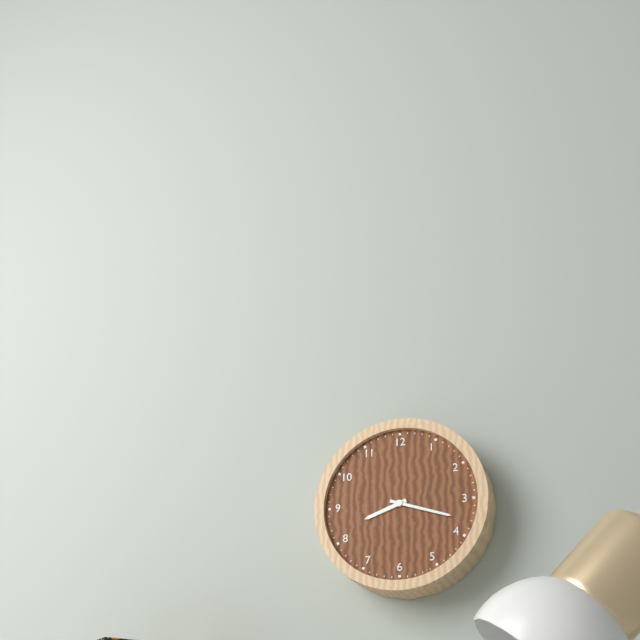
8,18
